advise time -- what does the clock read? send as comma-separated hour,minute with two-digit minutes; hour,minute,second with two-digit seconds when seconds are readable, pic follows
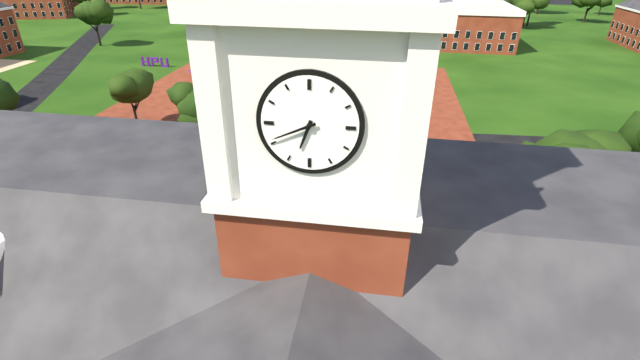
6,41
